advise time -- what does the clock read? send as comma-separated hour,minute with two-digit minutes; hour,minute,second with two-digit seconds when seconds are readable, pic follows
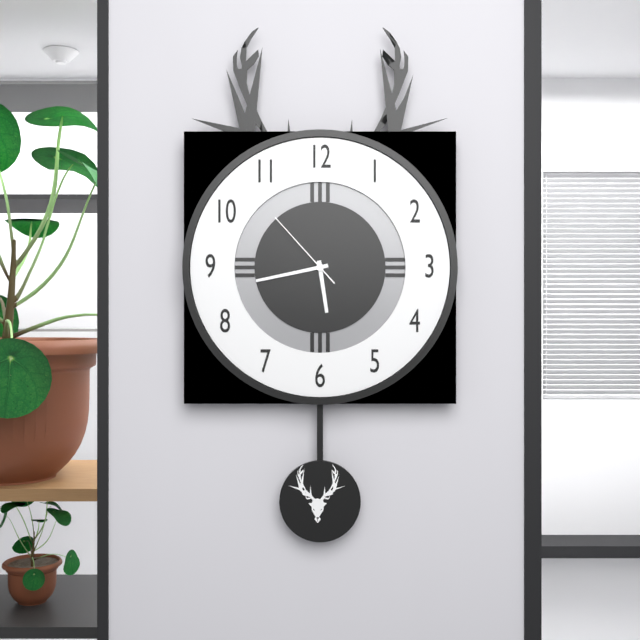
5,43,53
